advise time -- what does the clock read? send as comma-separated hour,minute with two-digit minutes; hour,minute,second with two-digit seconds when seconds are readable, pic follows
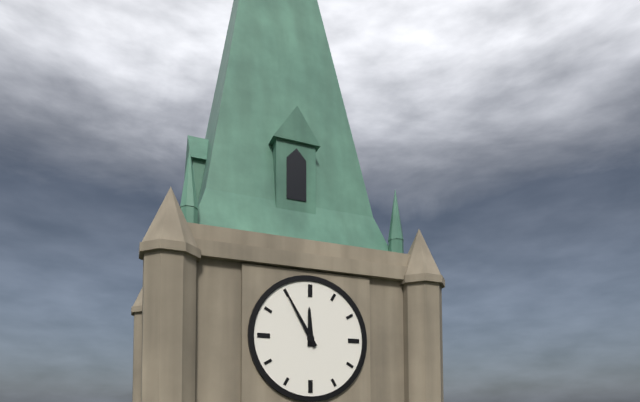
11,55
